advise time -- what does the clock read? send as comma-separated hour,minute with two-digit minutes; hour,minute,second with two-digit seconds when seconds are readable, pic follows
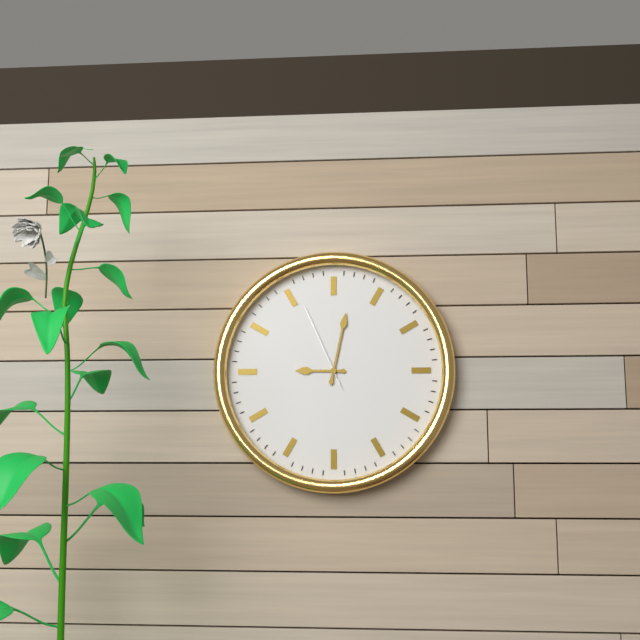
9,02,56
